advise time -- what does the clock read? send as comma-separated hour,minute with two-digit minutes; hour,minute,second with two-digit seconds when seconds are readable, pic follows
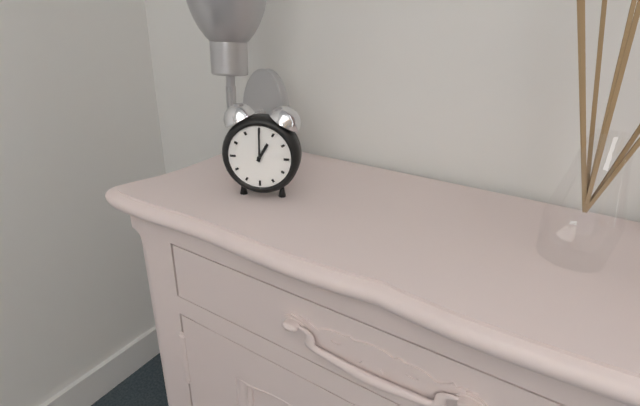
1,00
